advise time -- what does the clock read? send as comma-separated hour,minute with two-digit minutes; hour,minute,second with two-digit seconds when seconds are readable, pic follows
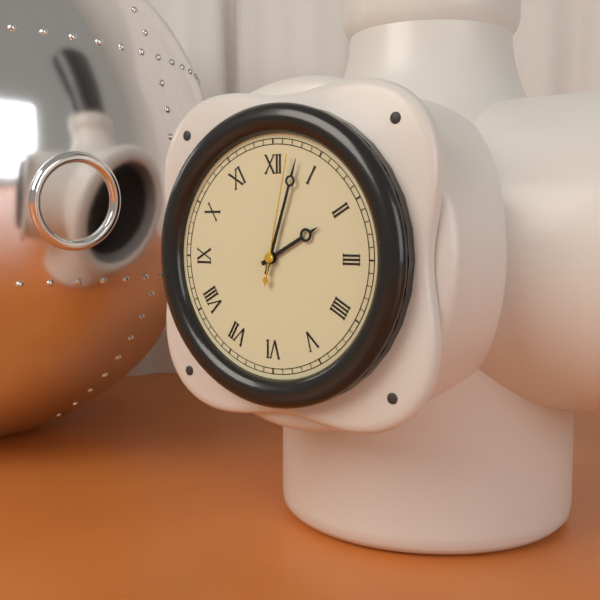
2,03,02
